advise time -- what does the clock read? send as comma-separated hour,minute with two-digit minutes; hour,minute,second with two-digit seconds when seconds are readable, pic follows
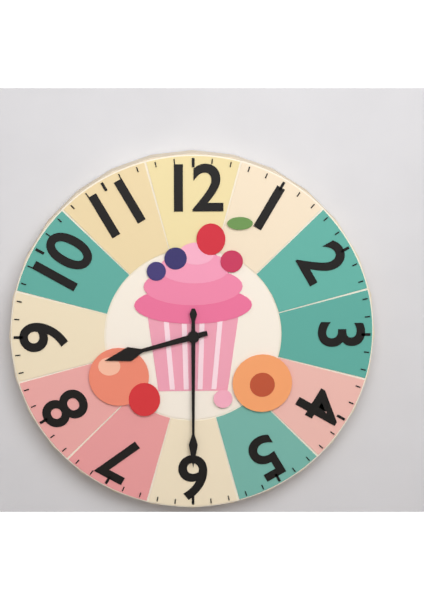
8,30
